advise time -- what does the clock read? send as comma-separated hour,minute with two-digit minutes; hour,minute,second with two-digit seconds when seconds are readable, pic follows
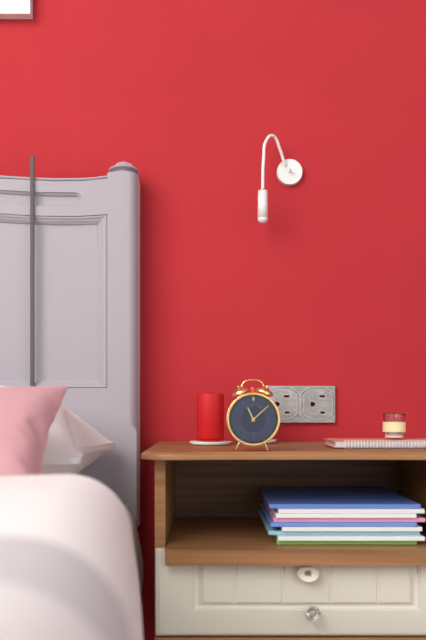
11,08
